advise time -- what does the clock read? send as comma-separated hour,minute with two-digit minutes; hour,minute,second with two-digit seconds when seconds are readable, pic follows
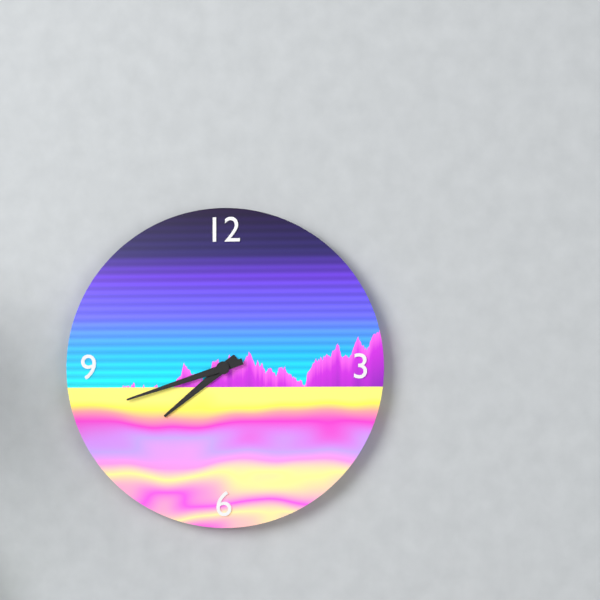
7,42
